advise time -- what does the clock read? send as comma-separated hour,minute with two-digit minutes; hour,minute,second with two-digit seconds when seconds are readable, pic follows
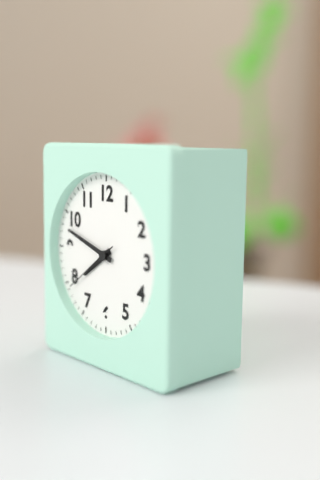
7,48,39
